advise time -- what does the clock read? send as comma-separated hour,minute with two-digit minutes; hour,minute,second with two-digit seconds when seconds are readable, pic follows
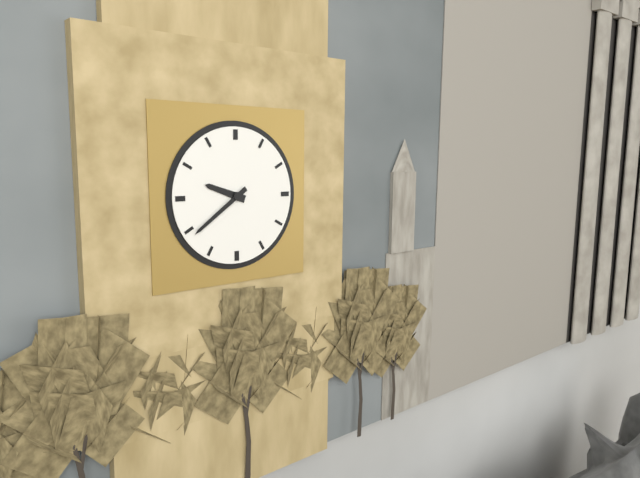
9,39
